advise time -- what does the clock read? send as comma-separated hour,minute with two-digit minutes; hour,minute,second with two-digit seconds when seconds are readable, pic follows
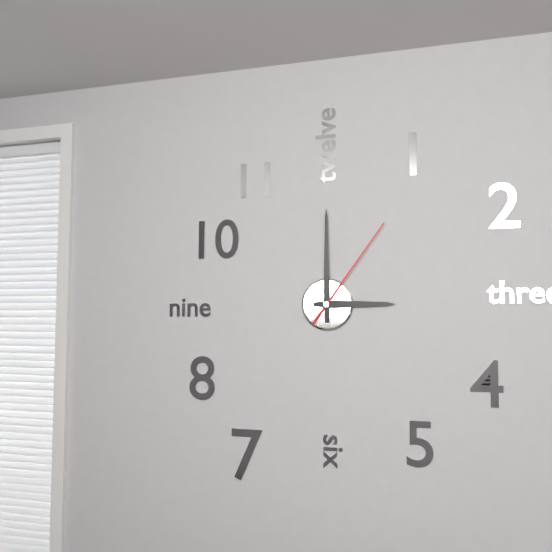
3,00,06
